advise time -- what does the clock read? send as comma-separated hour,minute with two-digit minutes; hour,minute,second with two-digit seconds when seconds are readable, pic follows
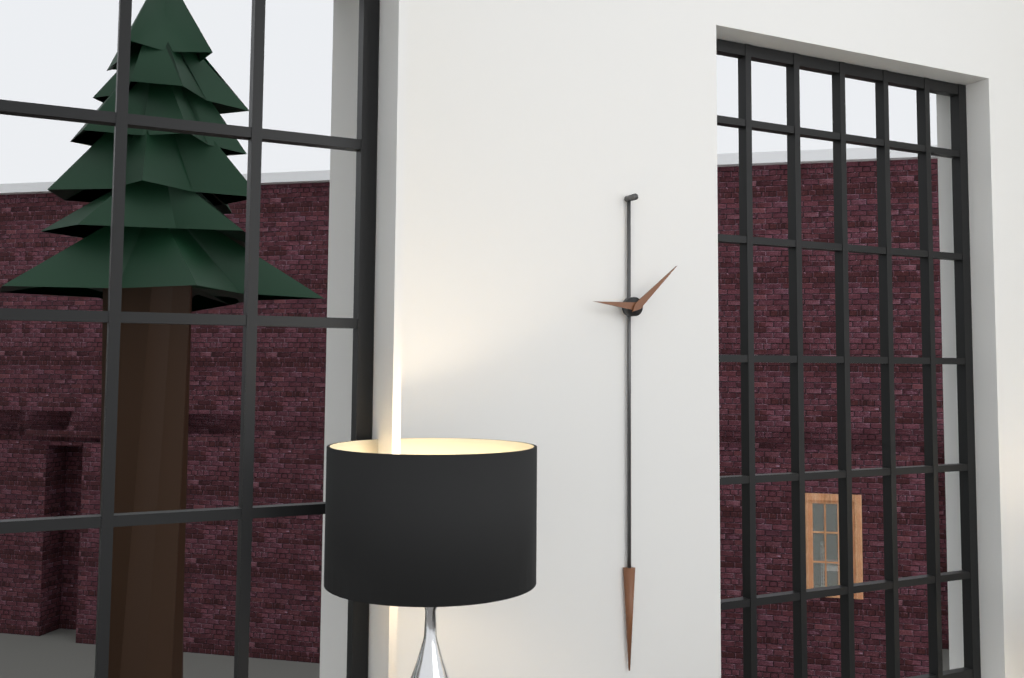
9,08
